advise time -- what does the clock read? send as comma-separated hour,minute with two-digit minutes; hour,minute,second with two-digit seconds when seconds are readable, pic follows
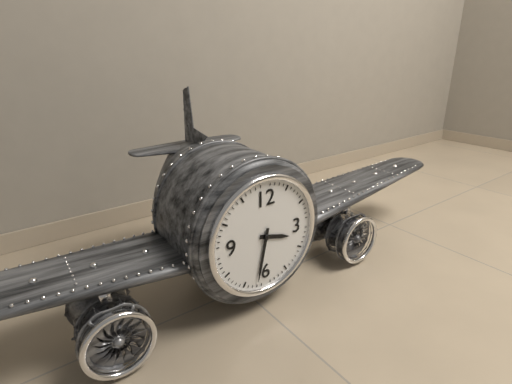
3,32
